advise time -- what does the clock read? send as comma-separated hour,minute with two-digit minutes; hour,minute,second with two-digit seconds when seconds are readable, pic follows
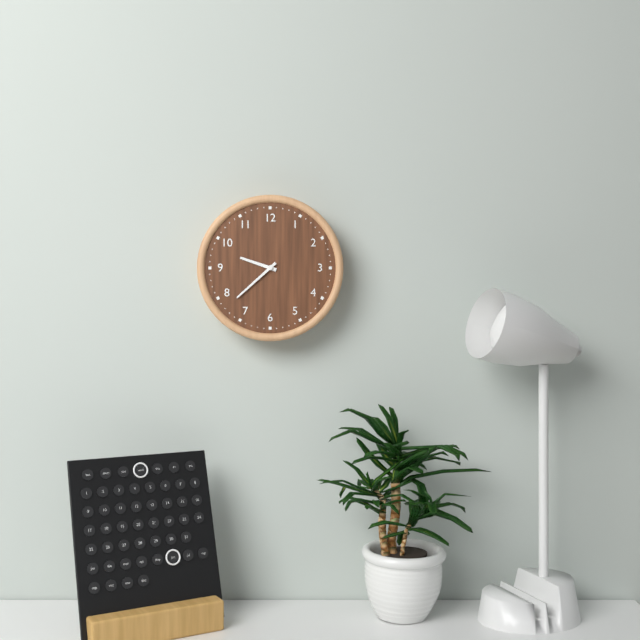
9,38
